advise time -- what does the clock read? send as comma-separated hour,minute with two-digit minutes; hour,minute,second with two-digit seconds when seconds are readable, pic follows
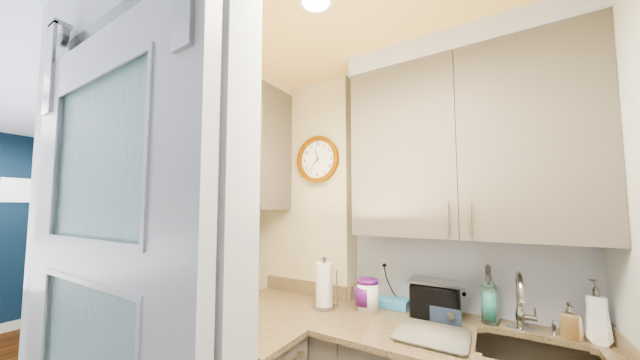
11,37
